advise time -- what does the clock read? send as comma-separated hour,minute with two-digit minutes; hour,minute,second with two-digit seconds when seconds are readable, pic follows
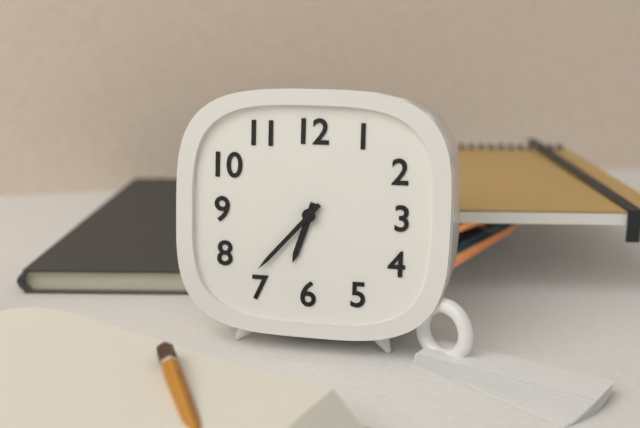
6,37
